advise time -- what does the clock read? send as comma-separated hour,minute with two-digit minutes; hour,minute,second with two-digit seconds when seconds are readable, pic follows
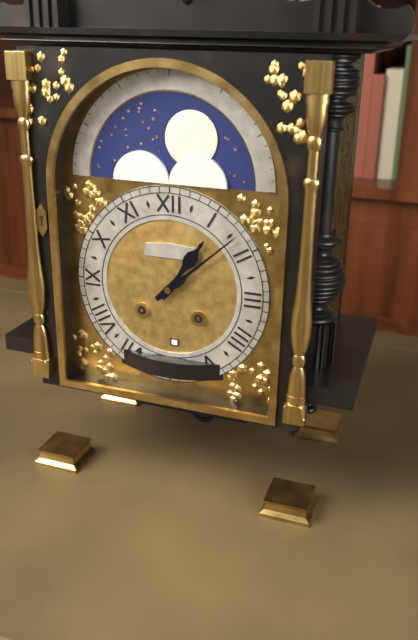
1,08
